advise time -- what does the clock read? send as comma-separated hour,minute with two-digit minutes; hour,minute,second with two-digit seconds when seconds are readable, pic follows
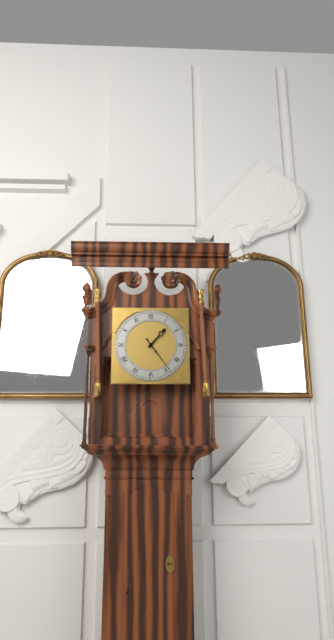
1,24
